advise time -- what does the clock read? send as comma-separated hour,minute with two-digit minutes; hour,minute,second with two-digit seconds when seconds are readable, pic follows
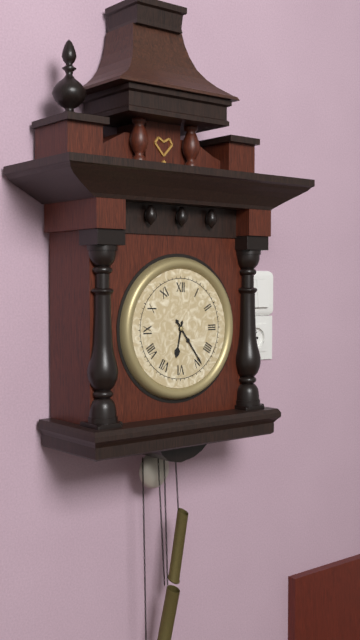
6,24
